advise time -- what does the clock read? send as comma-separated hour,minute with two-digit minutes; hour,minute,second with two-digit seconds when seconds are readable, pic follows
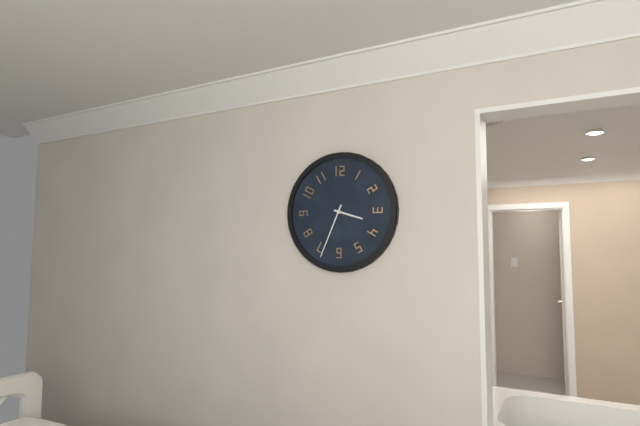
3,34
